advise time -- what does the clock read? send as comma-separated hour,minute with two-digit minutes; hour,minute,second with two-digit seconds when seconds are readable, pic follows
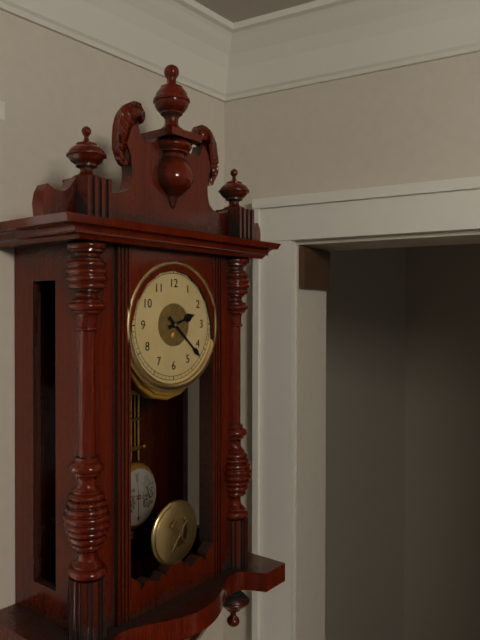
2,22
